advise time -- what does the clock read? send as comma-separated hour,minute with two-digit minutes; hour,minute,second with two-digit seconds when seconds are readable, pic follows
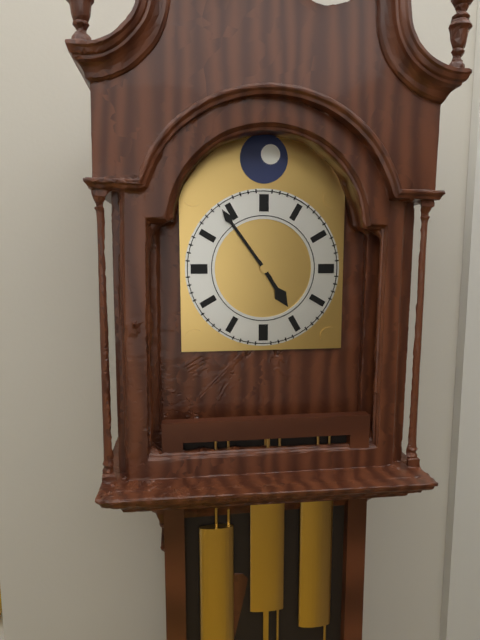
4,54
